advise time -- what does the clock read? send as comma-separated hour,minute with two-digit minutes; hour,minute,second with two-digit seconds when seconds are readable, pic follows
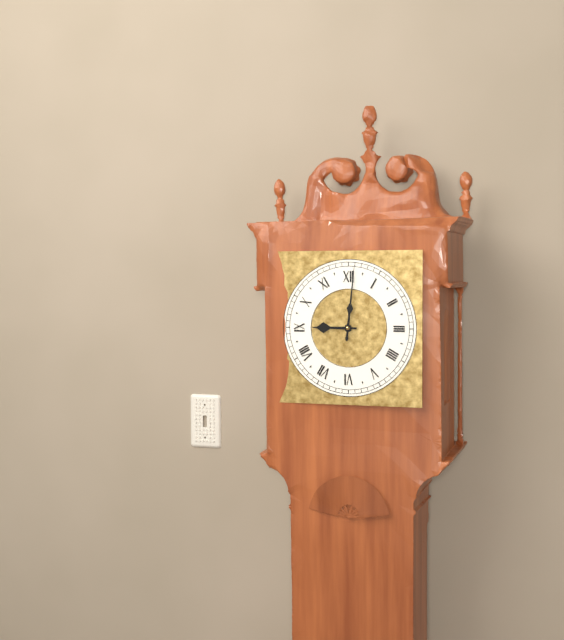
9,01
